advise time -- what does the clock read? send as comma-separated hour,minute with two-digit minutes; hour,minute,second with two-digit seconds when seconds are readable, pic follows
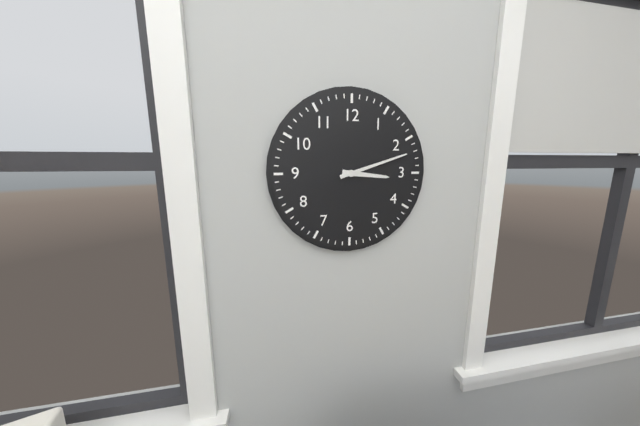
3,12
